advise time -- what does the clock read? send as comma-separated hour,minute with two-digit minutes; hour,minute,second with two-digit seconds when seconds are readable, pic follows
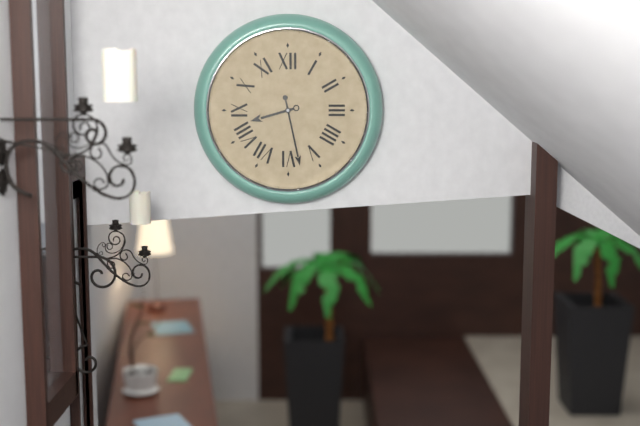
8,28
